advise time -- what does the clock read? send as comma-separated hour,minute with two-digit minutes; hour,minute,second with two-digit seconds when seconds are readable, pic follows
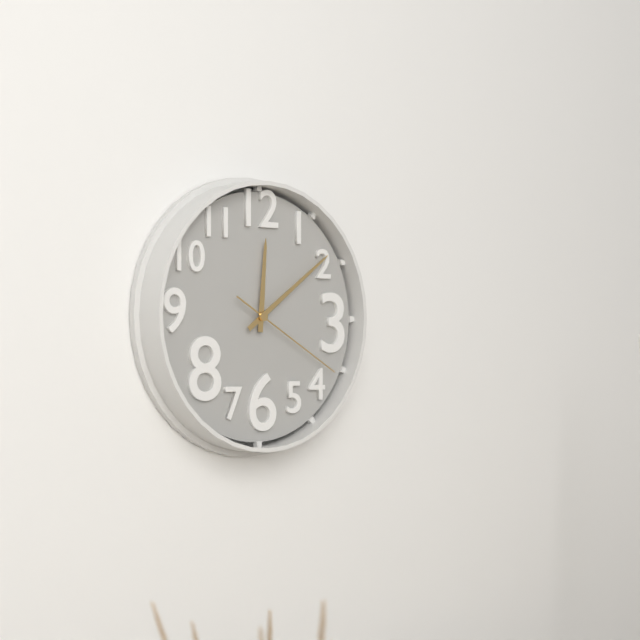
12,09,20
